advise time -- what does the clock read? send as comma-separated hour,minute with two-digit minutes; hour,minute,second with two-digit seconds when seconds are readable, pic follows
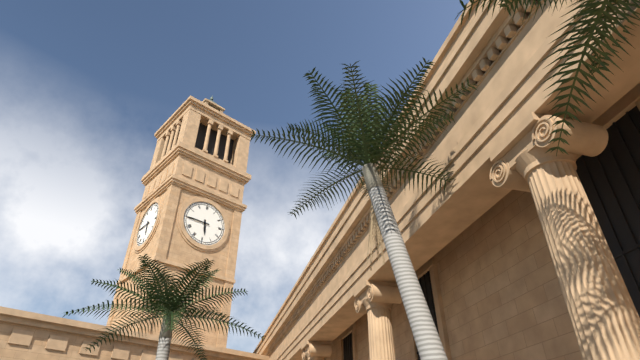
5,45
